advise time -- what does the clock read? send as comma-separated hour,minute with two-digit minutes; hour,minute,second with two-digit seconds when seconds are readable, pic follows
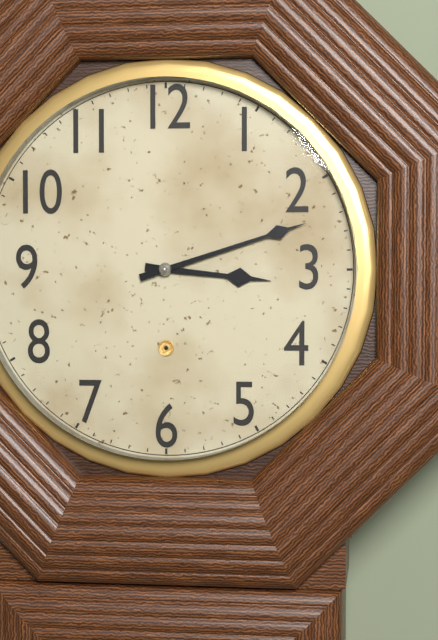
3,12
